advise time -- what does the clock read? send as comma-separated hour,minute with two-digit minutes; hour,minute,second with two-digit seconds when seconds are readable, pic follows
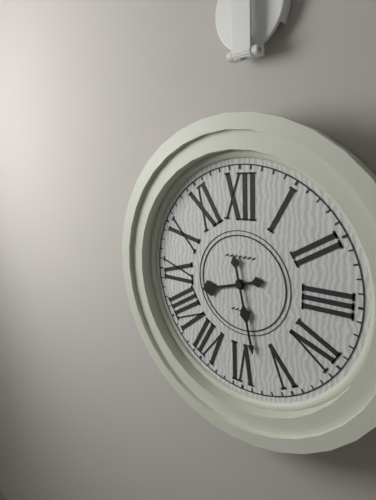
8,28
